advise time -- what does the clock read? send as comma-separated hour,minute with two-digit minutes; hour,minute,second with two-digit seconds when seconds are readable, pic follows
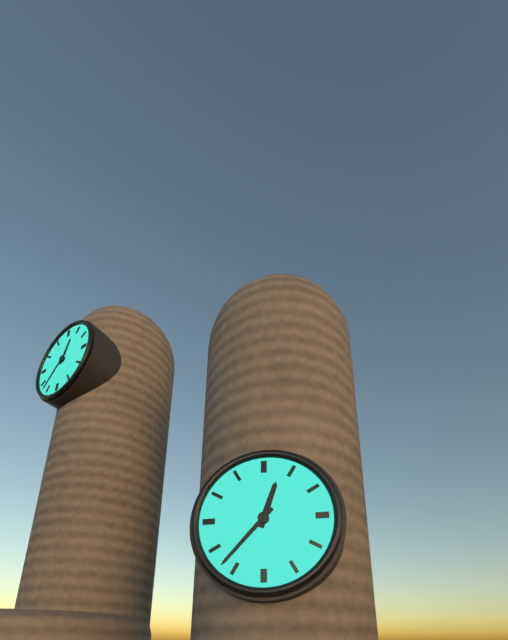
12,37
